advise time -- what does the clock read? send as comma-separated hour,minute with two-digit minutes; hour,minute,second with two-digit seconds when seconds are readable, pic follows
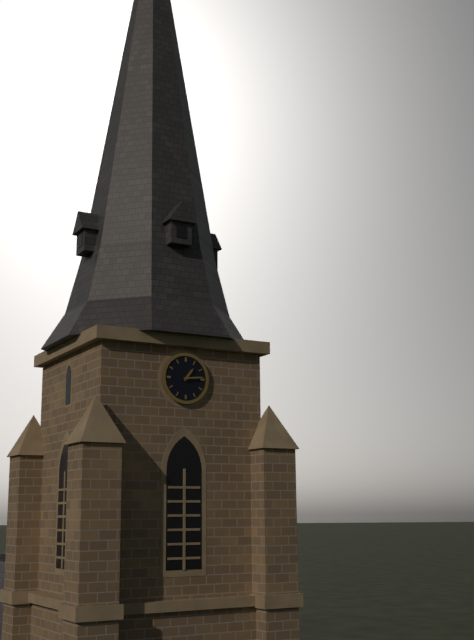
1,14
